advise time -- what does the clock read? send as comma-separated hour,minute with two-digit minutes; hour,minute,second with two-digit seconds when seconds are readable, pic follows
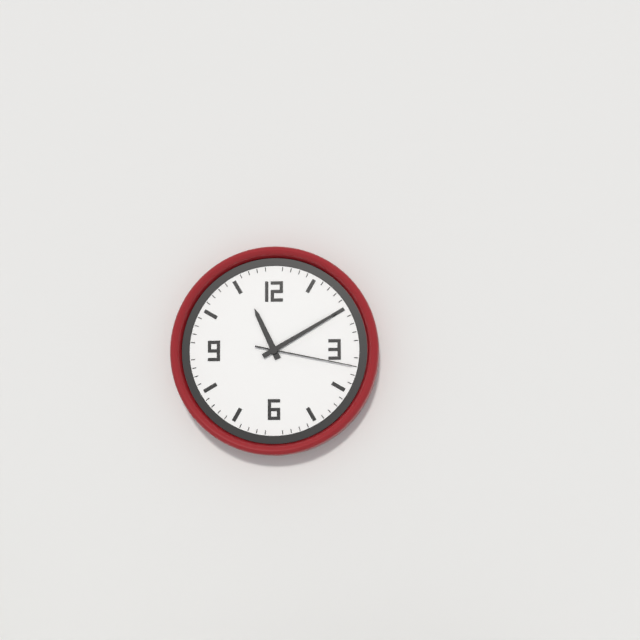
11,10,17
